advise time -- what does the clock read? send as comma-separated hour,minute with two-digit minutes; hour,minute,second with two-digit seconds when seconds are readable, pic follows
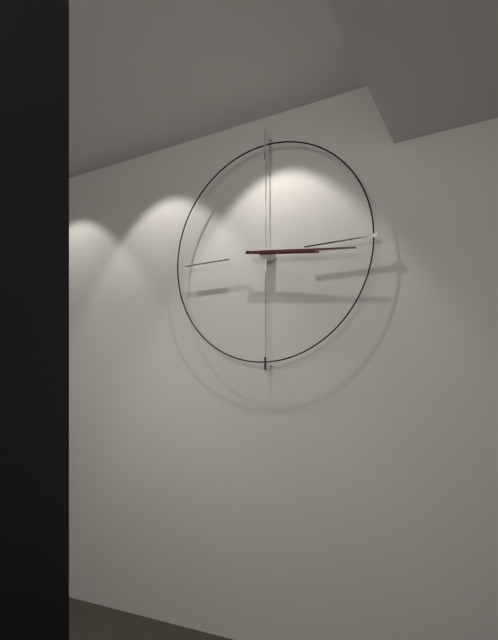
3,16
